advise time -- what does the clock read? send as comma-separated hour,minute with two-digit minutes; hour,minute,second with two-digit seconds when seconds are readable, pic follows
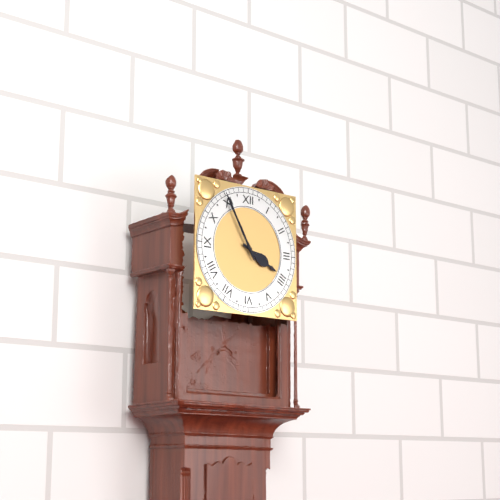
3,55
